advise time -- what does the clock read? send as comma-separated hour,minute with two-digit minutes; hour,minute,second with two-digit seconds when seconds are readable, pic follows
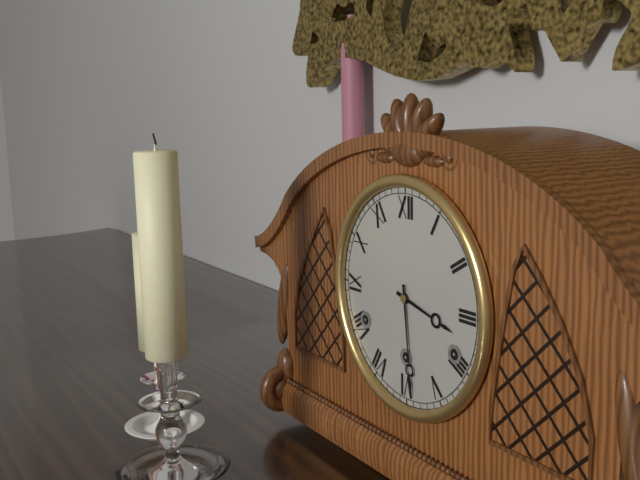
3,29
